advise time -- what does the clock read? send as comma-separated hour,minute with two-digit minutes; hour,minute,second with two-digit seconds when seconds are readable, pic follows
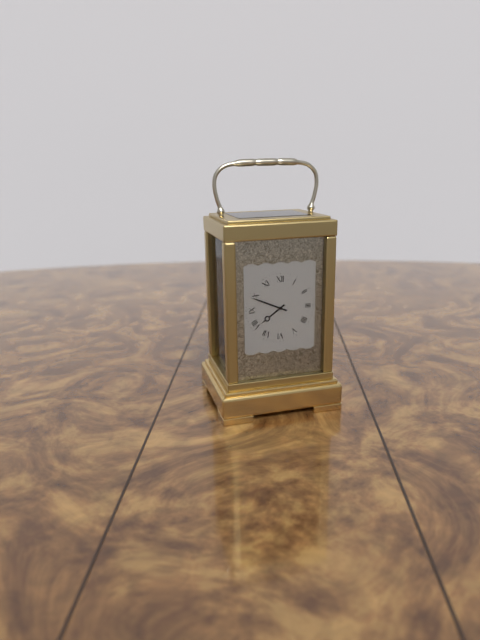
7,49
